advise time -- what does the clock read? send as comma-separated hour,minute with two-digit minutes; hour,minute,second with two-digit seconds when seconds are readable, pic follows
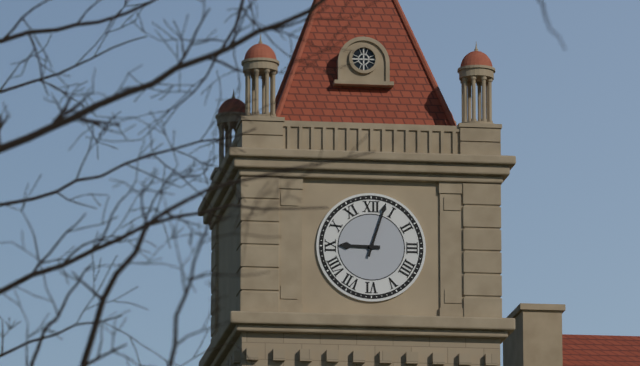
9,03
